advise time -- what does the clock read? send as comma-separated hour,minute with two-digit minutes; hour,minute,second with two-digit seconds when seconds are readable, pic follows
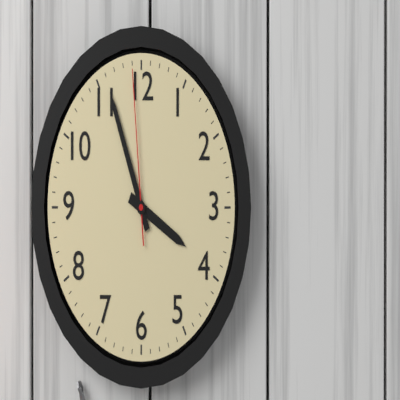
3,56,59
